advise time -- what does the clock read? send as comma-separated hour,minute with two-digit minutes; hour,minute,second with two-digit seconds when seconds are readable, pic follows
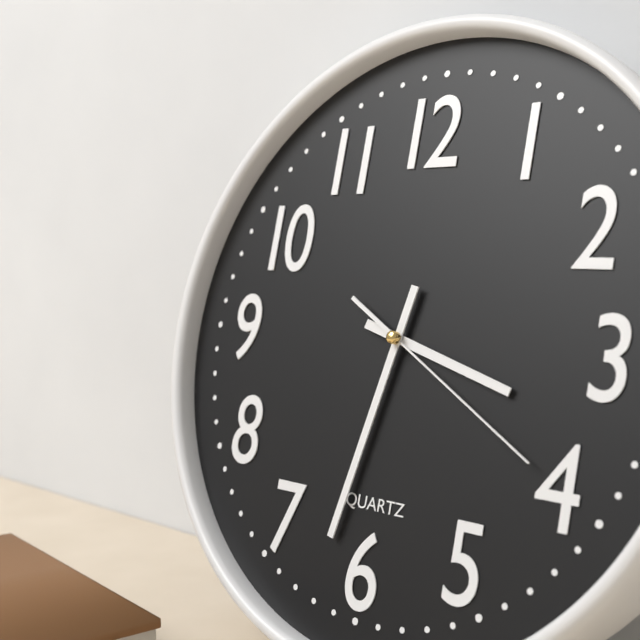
3,32,20
